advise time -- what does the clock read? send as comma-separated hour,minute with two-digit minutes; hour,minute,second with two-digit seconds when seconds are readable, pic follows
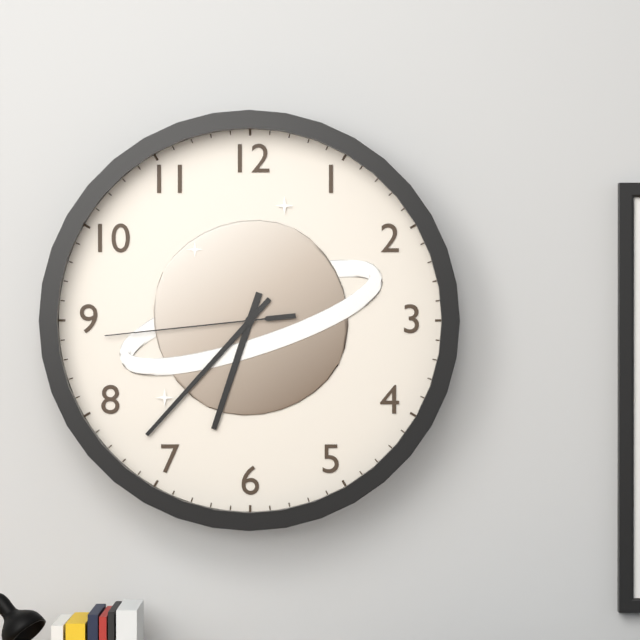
6,37,44
